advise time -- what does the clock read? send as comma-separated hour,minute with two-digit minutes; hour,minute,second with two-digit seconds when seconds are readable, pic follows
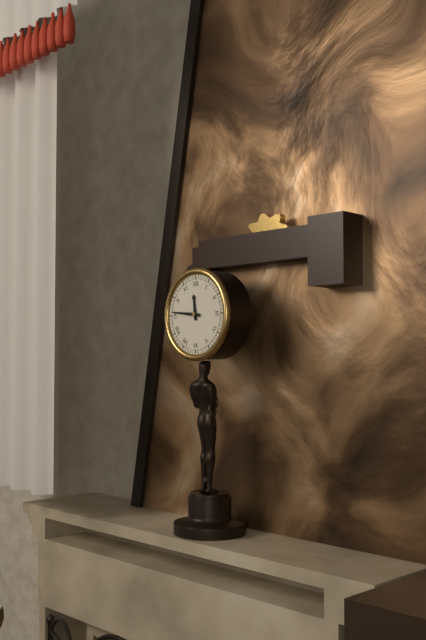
11,46
